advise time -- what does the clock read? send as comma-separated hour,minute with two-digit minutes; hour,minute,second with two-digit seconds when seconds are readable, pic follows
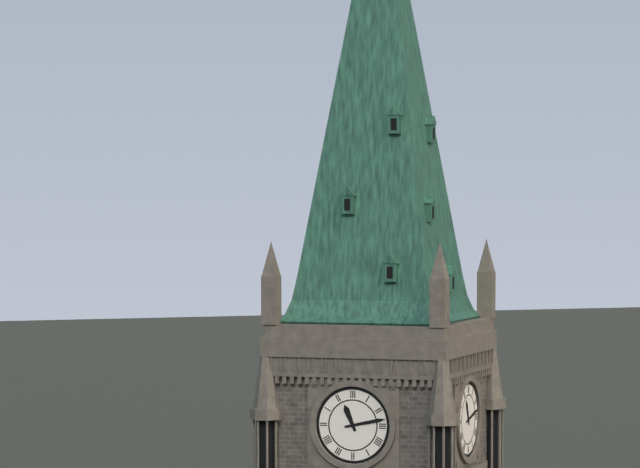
11,13
